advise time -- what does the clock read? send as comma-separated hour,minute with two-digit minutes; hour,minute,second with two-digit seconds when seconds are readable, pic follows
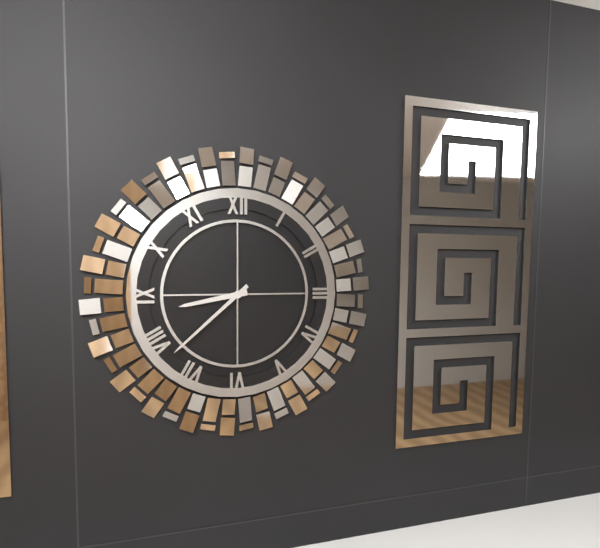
8,38
